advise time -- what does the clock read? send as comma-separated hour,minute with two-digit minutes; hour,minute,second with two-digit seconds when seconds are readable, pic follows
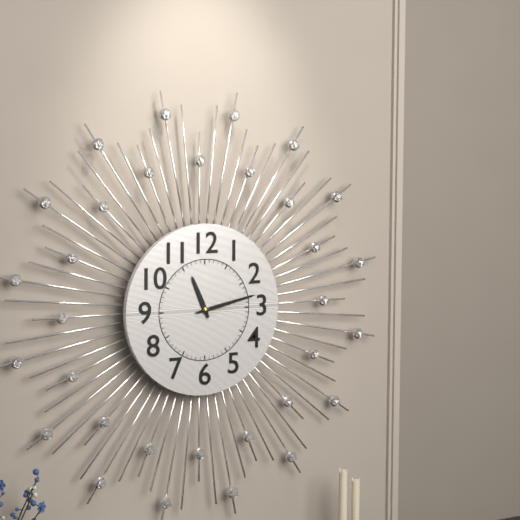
11,13
